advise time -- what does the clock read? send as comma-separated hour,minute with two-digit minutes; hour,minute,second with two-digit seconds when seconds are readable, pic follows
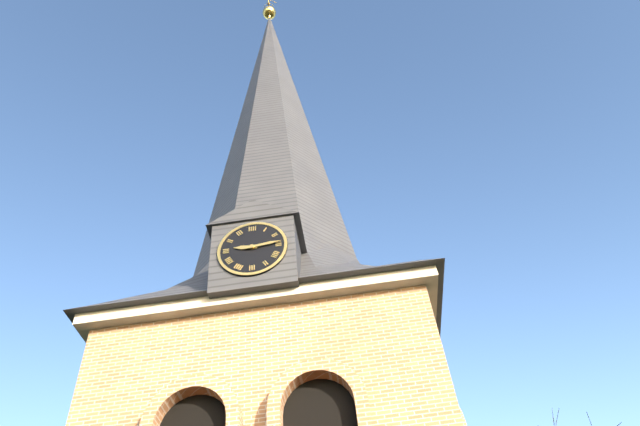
9,14
